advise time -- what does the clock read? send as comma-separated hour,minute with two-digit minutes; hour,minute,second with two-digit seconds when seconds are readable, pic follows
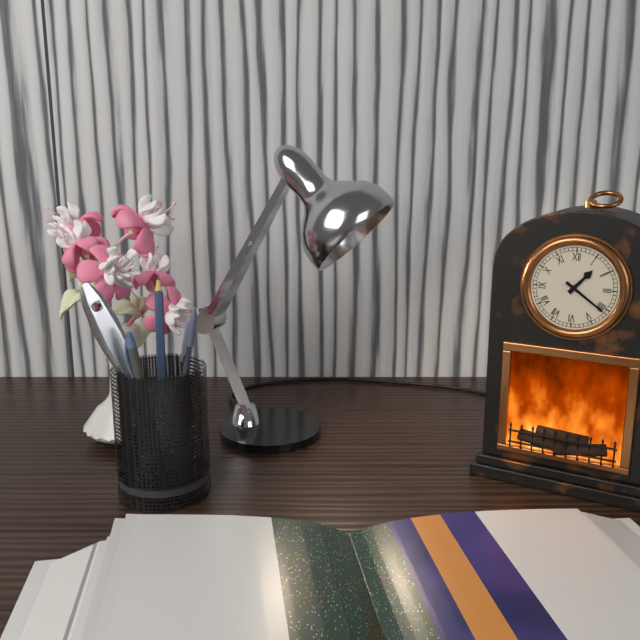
1,21
